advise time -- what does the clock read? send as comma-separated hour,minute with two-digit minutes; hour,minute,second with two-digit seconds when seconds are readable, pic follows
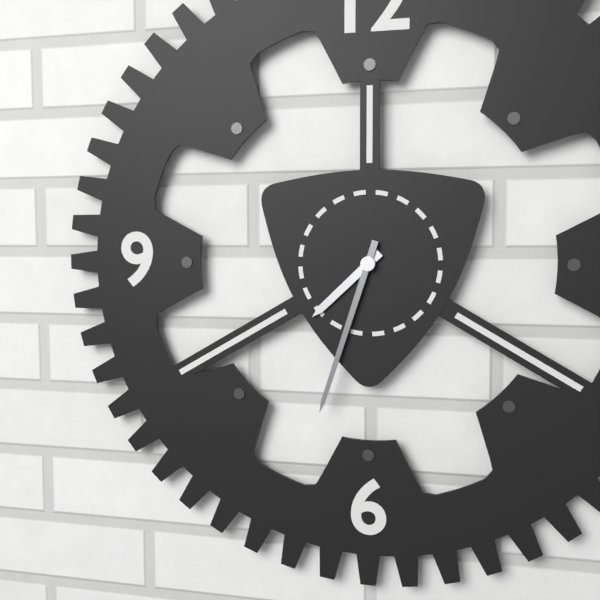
7,33
